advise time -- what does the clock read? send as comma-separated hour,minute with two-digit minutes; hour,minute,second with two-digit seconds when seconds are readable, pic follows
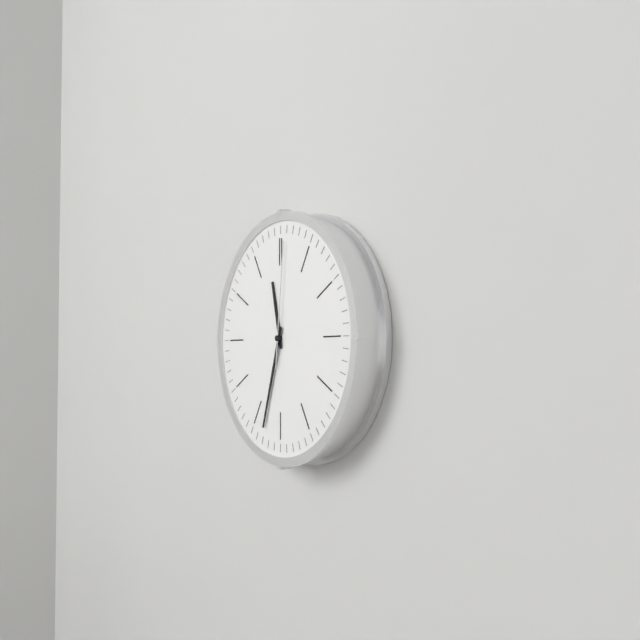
11,33,01
